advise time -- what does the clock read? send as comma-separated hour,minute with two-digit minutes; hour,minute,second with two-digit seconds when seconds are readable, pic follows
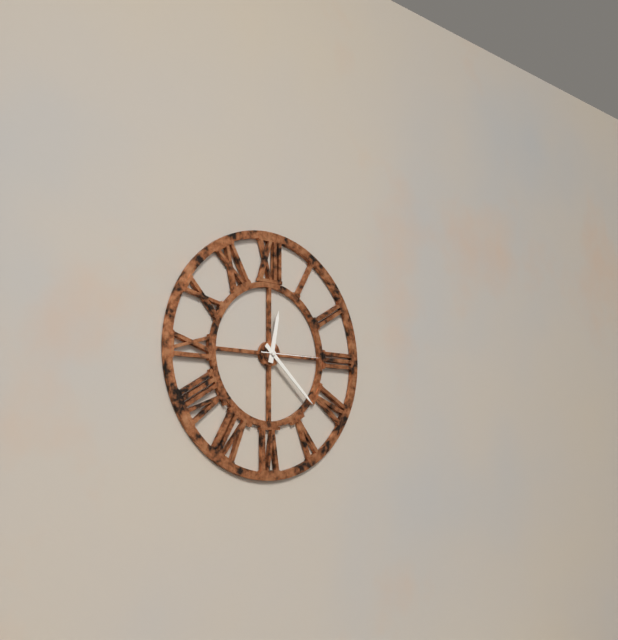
12,22,15
